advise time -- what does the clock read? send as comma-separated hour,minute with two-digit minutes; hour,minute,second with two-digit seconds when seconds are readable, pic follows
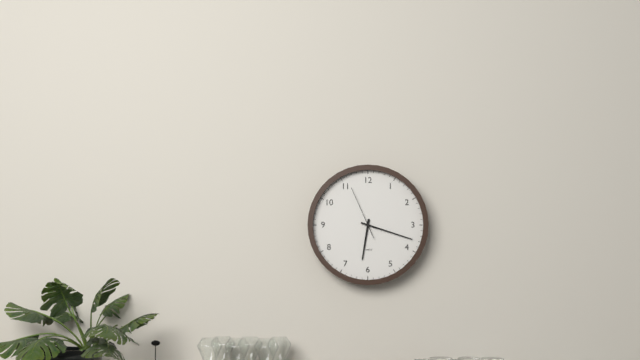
6,18,56
